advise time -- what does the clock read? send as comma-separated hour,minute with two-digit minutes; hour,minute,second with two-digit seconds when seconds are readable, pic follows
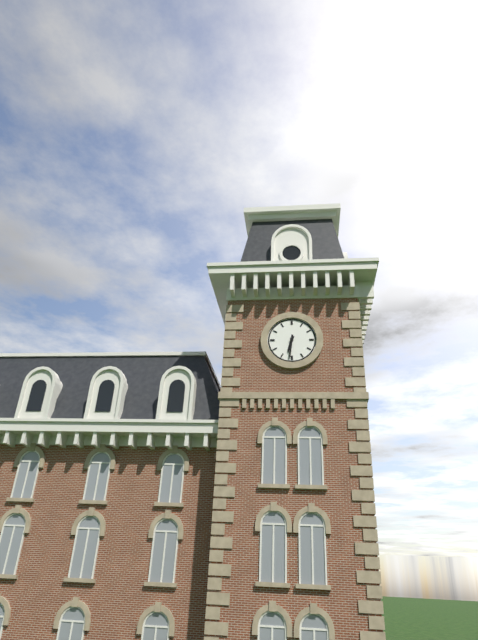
6,31
